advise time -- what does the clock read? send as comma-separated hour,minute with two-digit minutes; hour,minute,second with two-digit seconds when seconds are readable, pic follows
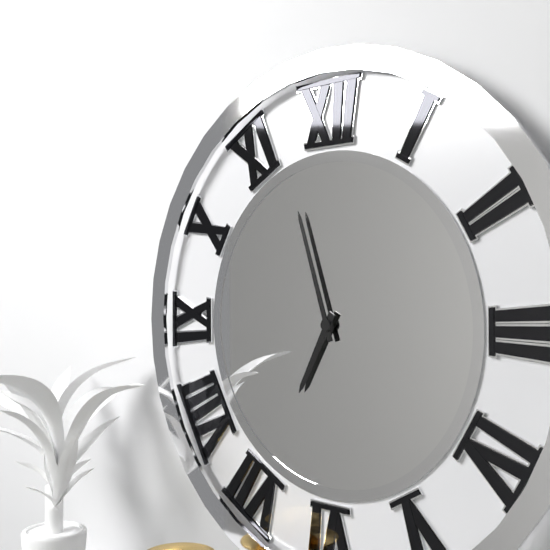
6,57
